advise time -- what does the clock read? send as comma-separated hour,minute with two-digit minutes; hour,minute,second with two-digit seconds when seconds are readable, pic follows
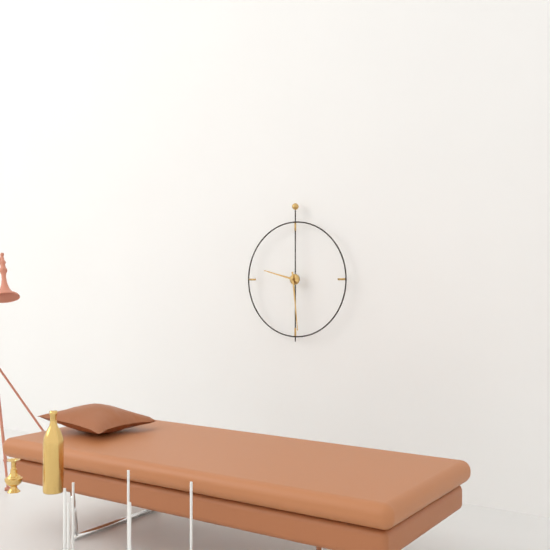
9,29
